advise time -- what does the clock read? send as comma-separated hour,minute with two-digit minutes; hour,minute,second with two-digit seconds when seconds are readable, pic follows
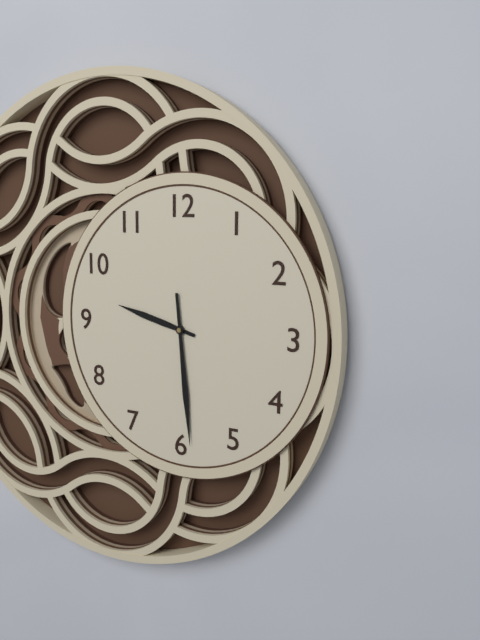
9,29
